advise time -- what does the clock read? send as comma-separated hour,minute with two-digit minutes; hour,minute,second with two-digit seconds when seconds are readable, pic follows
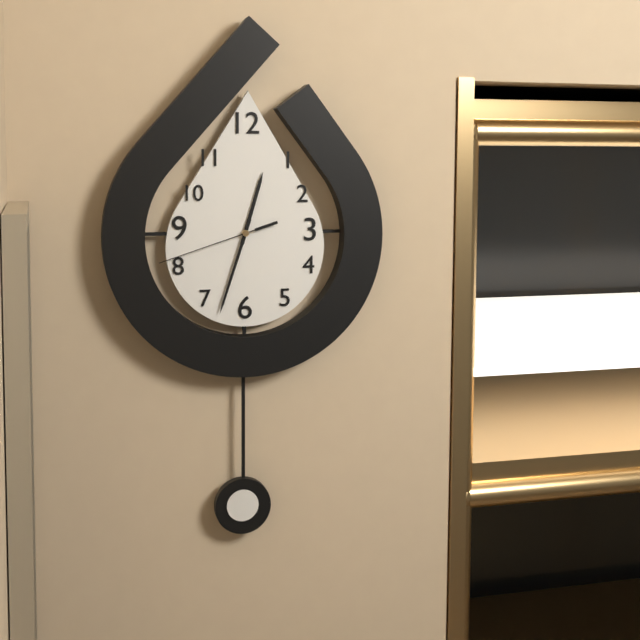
12,33,42
